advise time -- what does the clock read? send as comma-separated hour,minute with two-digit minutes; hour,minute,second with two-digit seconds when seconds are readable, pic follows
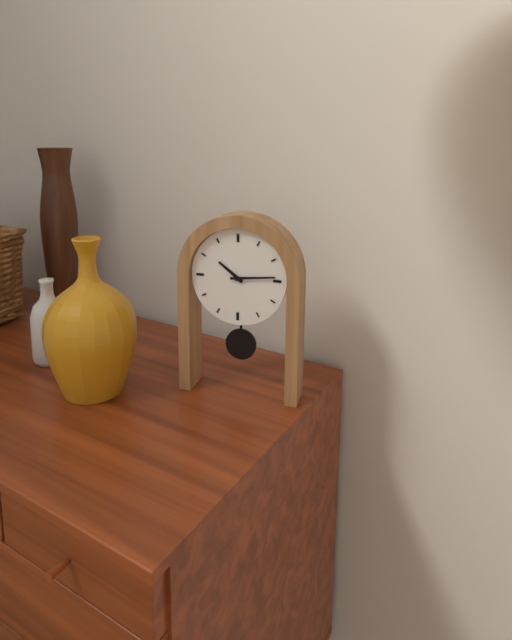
10,14
